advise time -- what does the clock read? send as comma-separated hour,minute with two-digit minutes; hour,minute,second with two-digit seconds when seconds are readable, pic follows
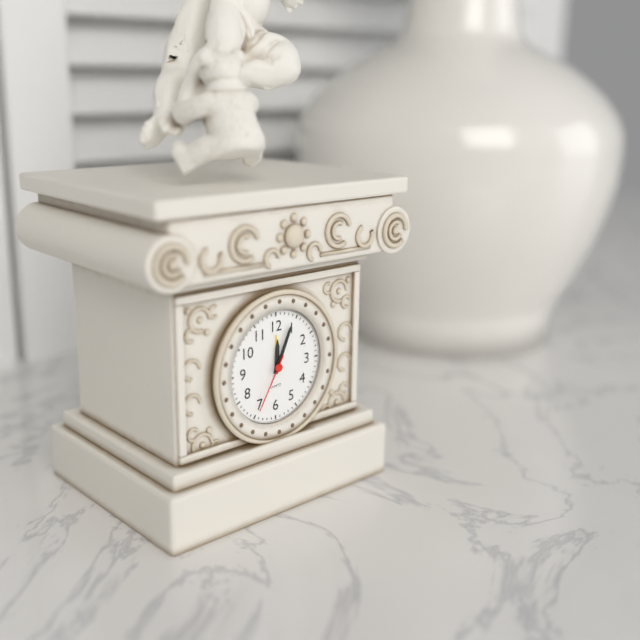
12,04,35
